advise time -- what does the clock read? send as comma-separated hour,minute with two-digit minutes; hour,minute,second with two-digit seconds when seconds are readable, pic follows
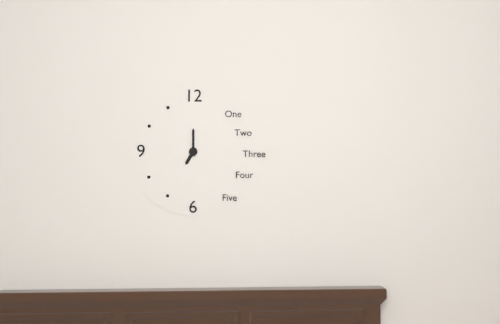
7,00
